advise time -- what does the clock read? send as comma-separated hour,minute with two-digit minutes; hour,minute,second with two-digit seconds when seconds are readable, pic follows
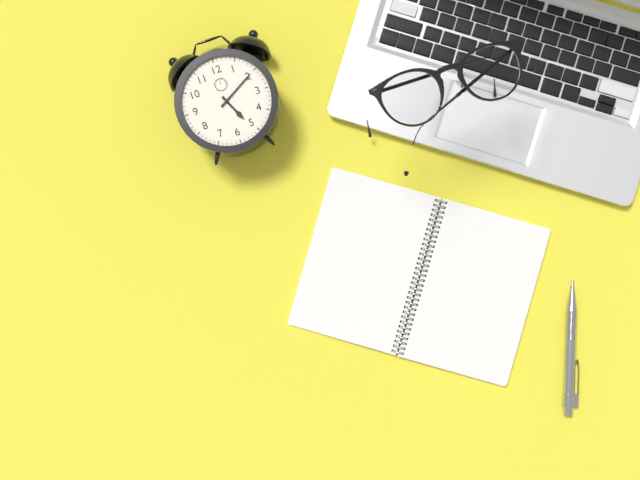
5,10
